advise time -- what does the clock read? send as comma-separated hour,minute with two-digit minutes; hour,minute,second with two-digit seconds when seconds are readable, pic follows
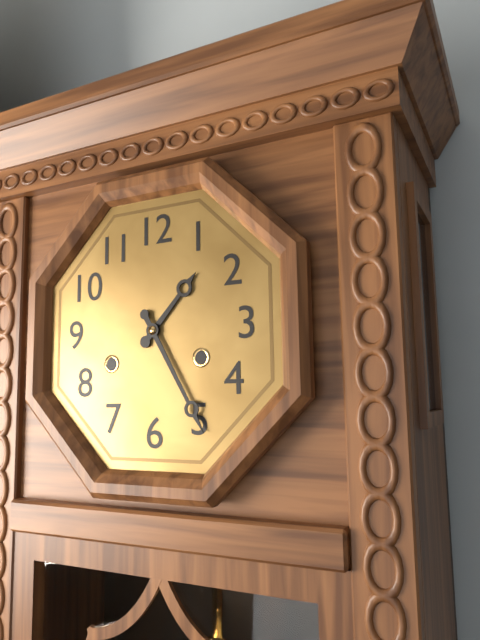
1,25
